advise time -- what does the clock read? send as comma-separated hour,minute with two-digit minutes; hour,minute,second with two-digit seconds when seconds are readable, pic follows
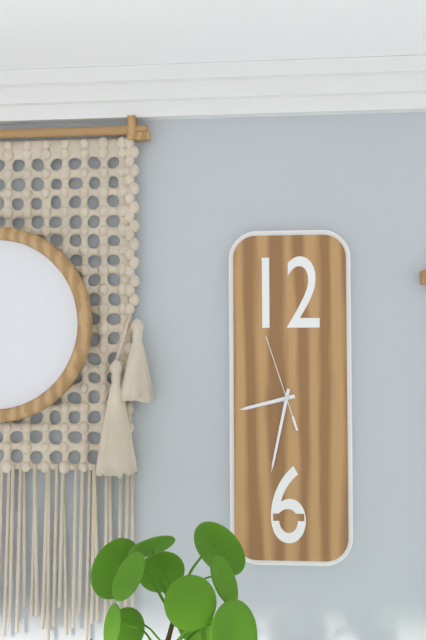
8,32,57
